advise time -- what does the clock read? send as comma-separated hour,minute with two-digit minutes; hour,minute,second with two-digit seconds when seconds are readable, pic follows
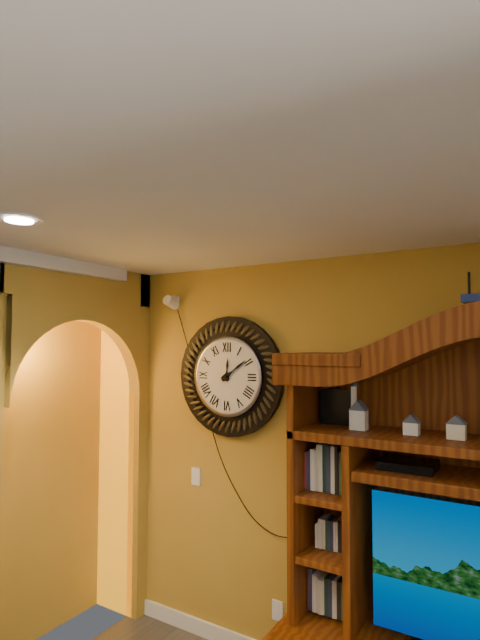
12,09
